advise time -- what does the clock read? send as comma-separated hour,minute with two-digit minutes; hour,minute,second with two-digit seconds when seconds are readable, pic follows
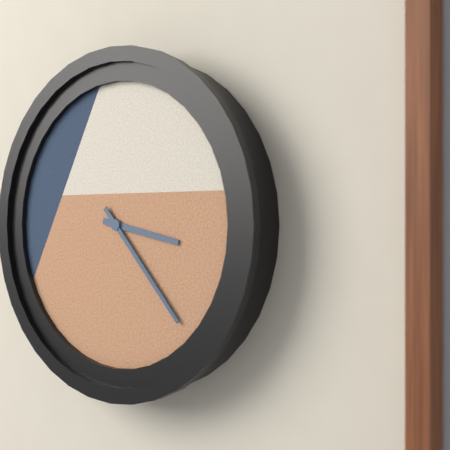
3,23
